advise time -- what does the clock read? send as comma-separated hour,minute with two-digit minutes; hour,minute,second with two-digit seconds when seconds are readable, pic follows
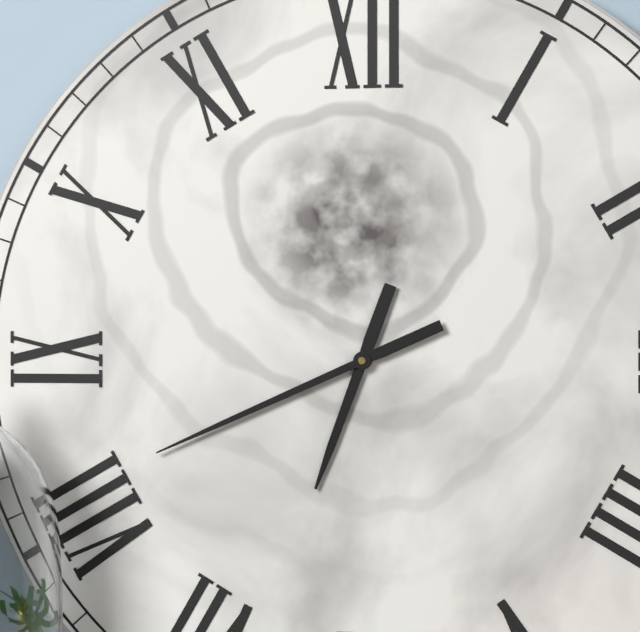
6,41
